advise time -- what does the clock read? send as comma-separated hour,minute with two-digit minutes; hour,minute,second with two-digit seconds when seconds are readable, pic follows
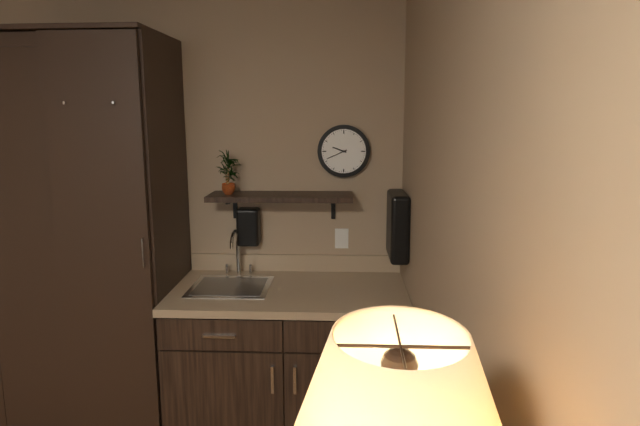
9,41
